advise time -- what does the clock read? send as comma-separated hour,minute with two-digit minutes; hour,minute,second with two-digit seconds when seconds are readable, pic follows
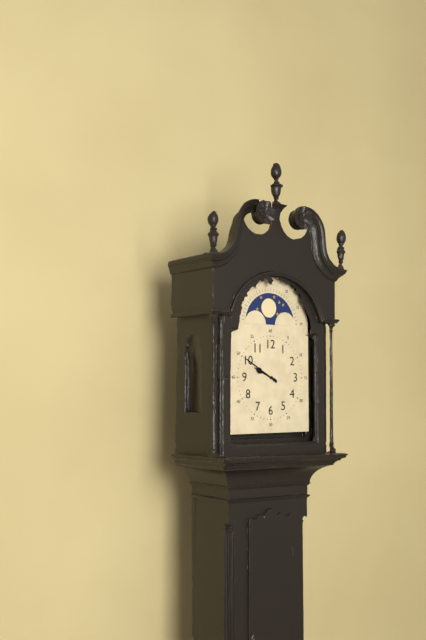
9,50
